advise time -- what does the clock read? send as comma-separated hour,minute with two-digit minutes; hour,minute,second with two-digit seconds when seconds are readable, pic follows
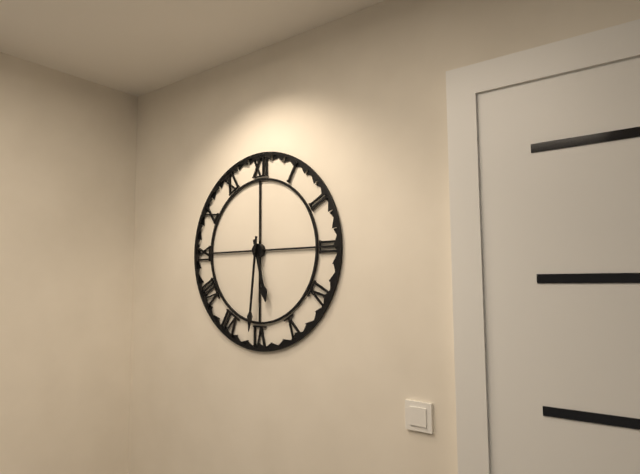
5,31
